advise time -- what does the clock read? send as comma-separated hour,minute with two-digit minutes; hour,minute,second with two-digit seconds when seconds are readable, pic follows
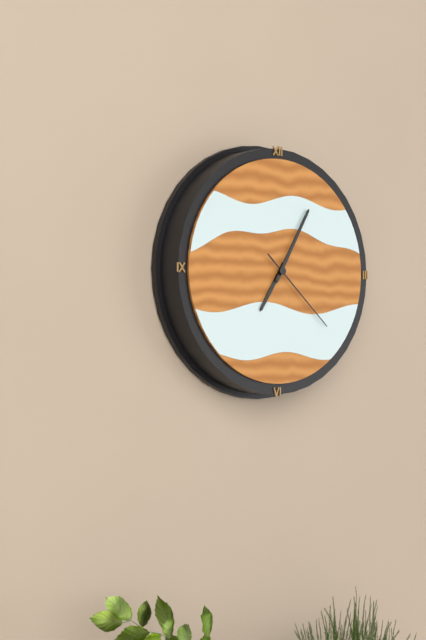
7,05,22
